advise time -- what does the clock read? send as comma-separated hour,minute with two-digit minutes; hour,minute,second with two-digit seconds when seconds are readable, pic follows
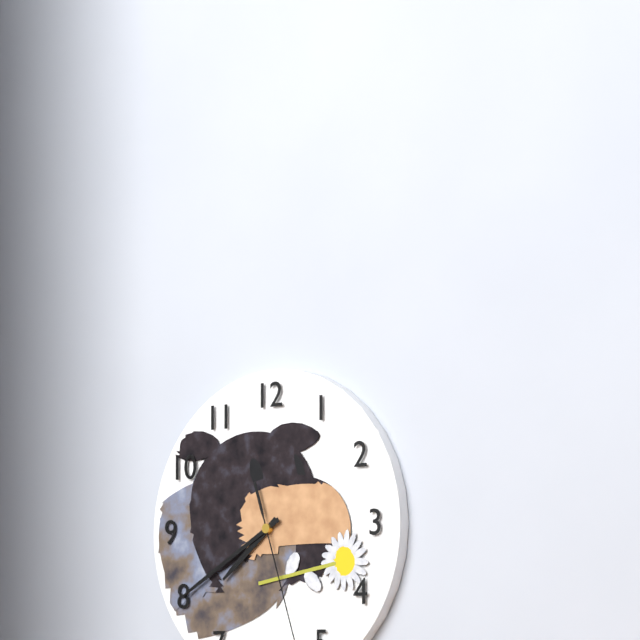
7,40
